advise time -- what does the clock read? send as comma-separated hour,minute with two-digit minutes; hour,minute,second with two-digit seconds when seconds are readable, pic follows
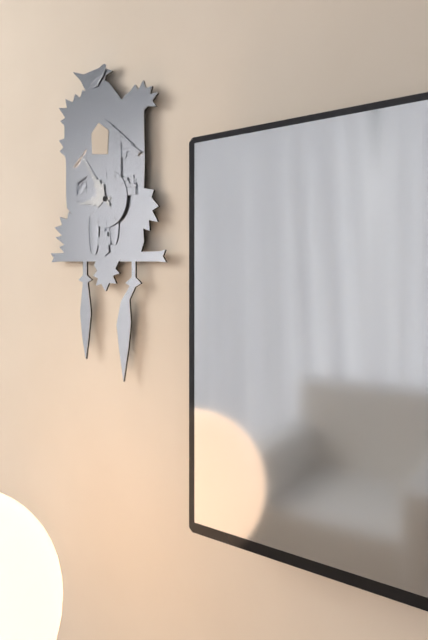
8,54
